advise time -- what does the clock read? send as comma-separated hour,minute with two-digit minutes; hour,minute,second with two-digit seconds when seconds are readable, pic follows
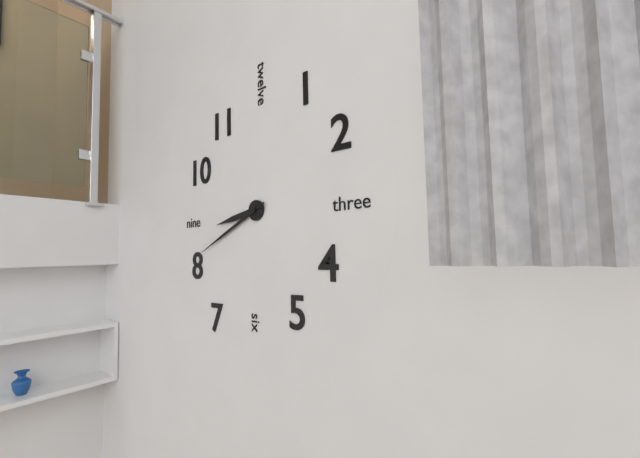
8,41
